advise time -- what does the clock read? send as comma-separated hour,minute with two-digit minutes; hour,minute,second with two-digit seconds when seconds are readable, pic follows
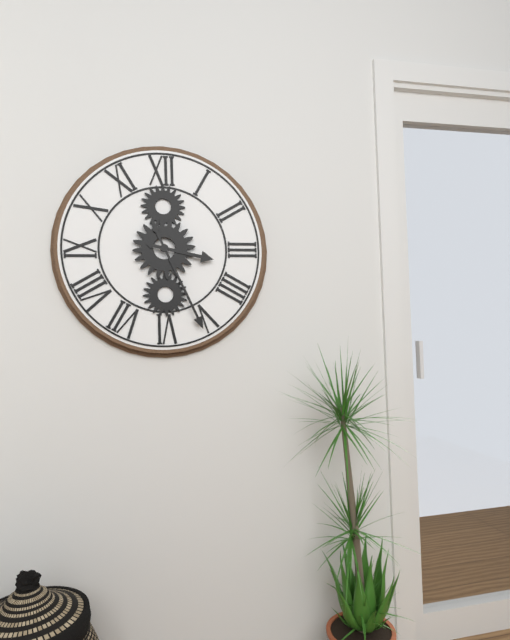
3,26
